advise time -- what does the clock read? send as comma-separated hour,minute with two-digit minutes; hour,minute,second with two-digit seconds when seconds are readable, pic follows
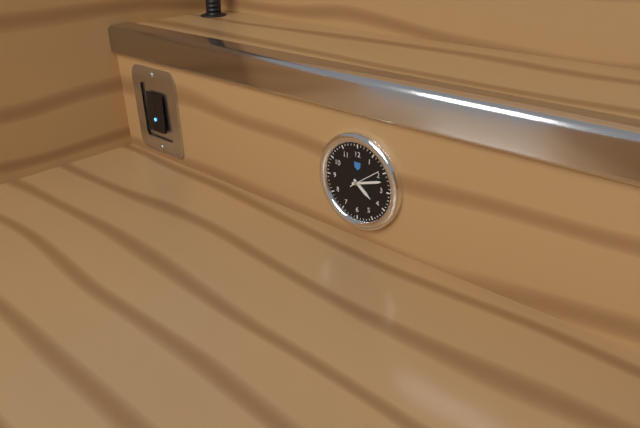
4,12
